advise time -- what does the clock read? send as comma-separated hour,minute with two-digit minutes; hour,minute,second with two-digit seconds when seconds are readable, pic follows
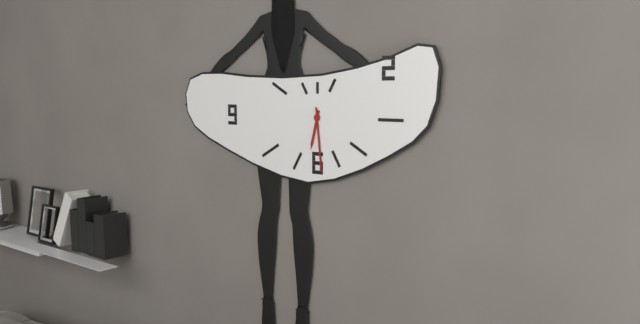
6,29
